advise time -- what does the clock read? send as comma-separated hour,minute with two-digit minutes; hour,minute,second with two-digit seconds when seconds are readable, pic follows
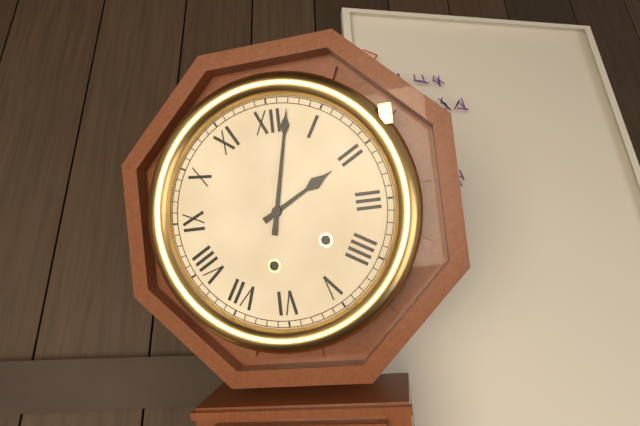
2,02
